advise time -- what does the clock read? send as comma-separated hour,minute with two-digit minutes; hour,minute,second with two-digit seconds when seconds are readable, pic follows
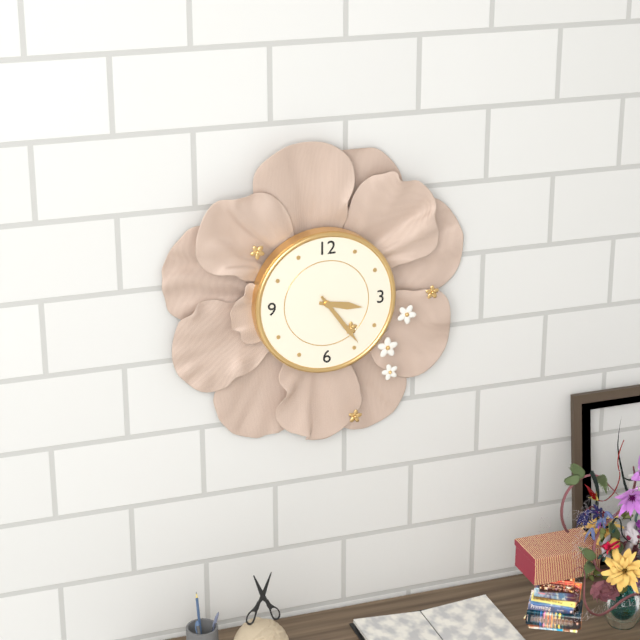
3,24
